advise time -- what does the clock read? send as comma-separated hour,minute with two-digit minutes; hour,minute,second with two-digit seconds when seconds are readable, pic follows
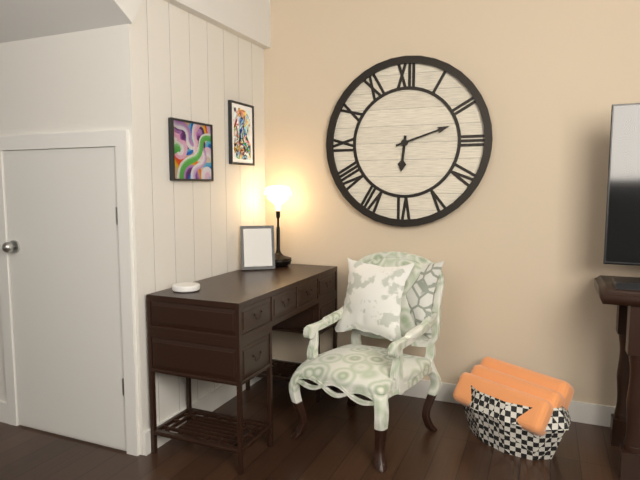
6,12
